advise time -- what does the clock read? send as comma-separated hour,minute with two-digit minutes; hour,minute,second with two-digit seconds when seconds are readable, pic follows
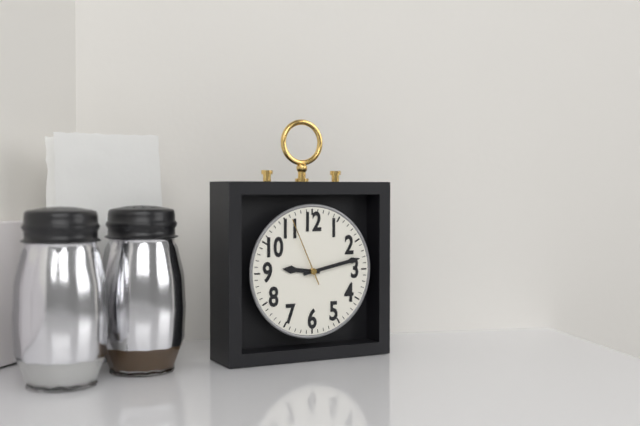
9,13,56
